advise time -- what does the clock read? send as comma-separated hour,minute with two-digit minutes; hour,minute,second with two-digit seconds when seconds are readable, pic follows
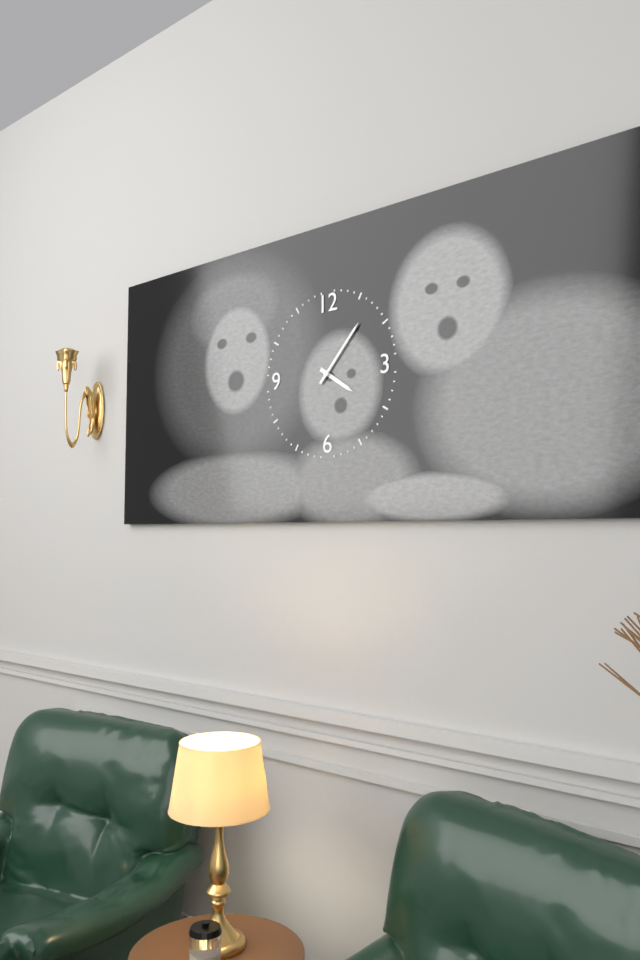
4,07
